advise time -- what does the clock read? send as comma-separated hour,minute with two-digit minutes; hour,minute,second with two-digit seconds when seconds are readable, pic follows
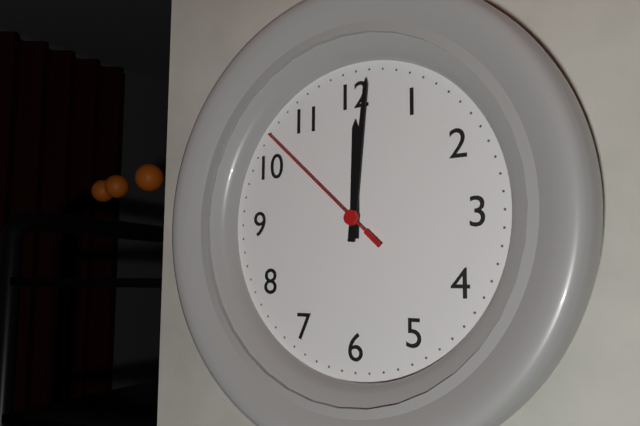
12,01,52
